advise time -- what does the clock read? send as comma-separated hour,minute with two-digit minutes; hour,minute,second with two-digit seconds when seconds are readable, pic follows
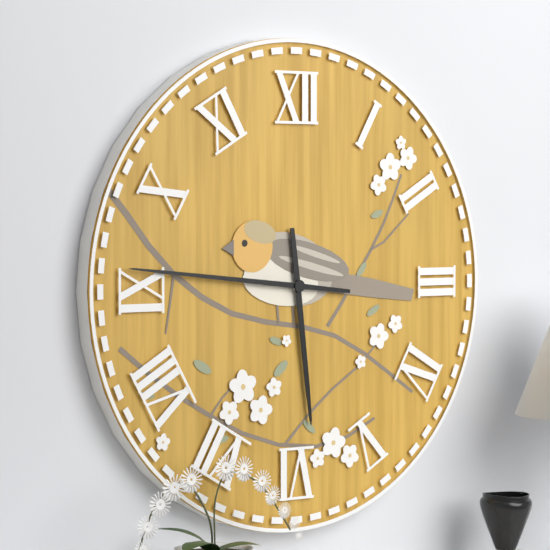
5,46
